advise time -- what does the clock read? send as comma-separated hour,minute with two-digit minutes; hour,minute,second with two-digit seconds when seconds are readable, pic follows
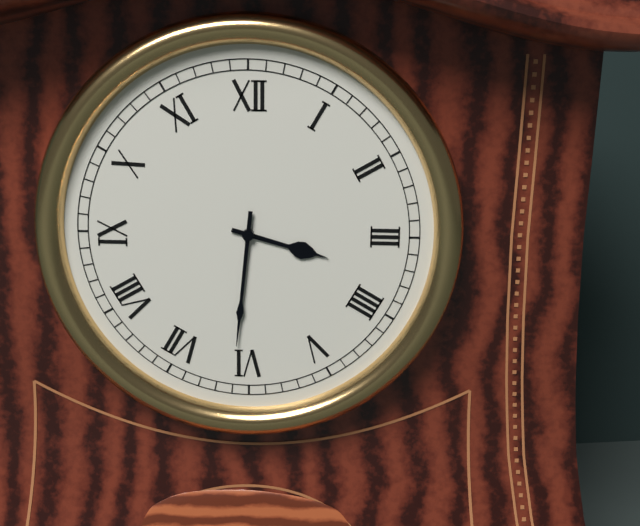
3,31
